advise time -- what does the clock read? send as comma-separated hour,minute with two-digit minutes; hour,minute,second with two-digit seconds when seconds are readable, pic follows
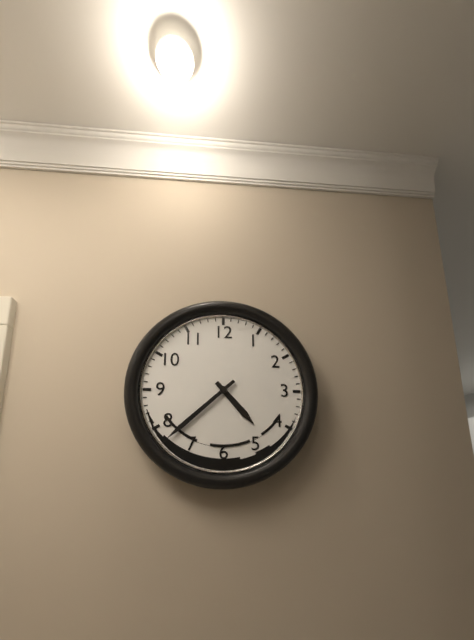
4,38
